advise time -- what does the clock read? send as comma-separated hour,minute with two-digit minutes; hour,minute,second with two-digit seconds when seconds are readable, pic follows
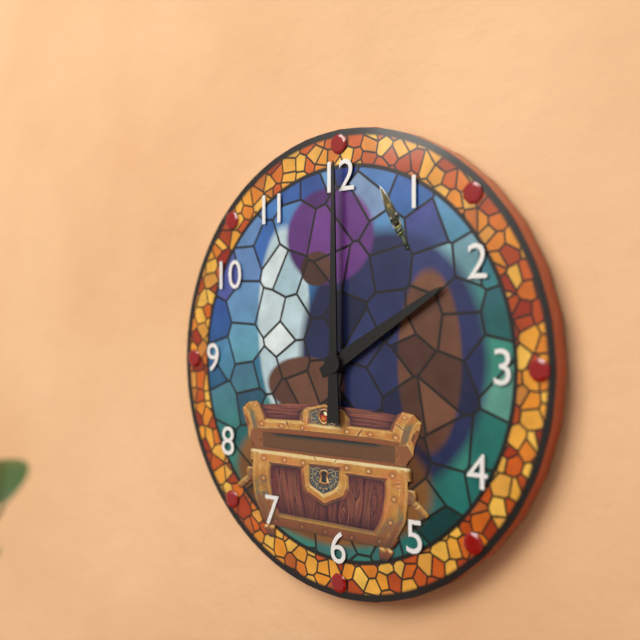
2,00
